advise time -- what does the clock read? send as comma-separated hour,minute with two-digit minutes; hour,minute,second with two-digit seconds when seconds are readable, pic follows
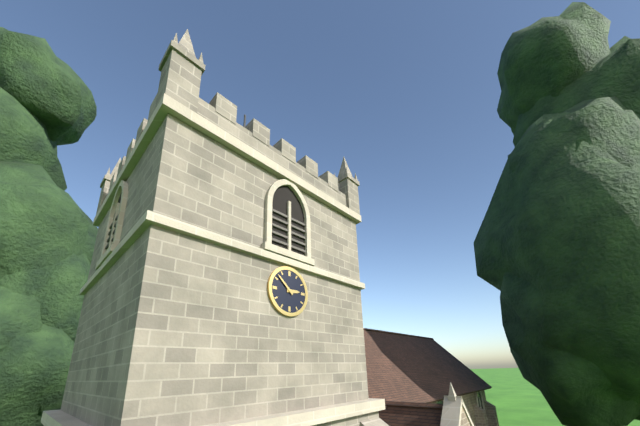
2,52
